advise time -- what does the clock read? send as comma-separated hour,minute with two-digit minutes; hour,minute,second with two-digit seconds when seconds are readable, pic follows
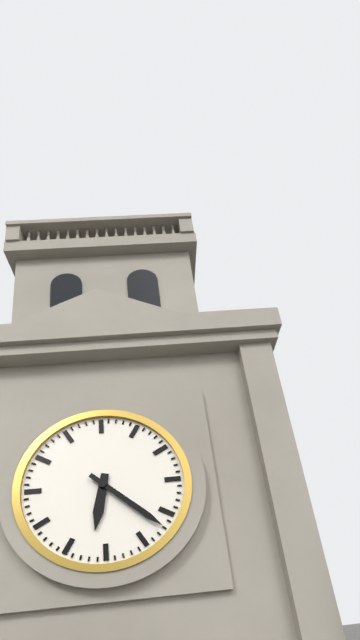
6,22
